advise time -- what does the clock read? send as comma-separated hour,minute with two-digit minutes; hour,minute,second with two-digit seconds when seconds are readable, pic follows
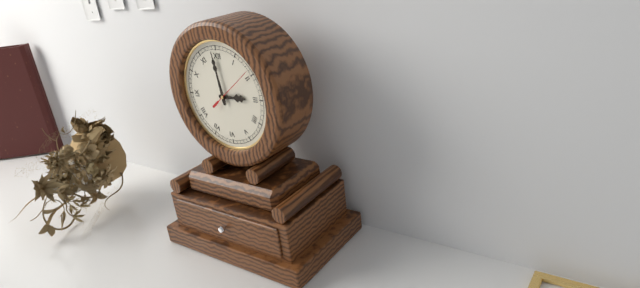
2,59
